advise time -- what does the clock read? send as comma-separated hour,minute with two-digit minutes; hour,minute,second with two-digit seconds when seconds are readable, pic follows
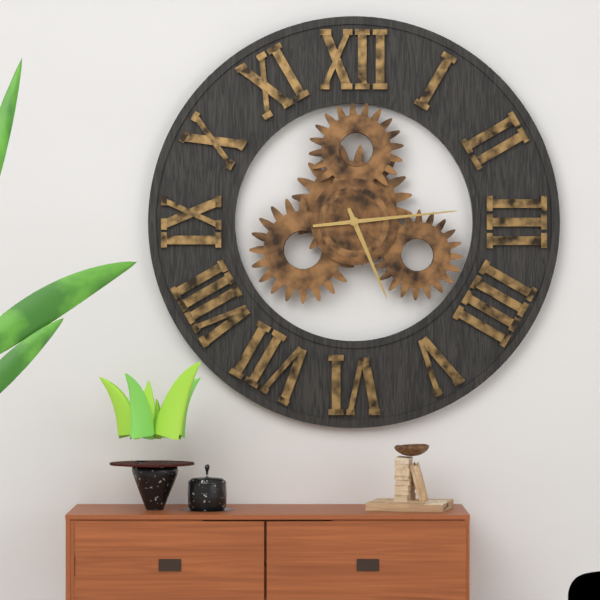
5,14
